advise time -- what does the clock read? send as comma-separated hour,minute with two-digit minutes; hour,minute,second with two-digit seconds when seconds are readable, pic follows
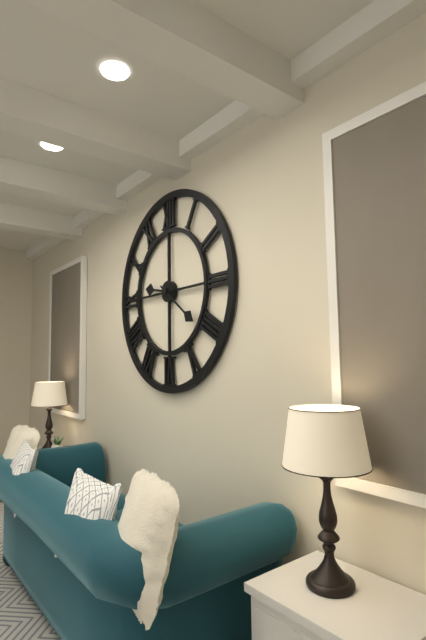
9,21
